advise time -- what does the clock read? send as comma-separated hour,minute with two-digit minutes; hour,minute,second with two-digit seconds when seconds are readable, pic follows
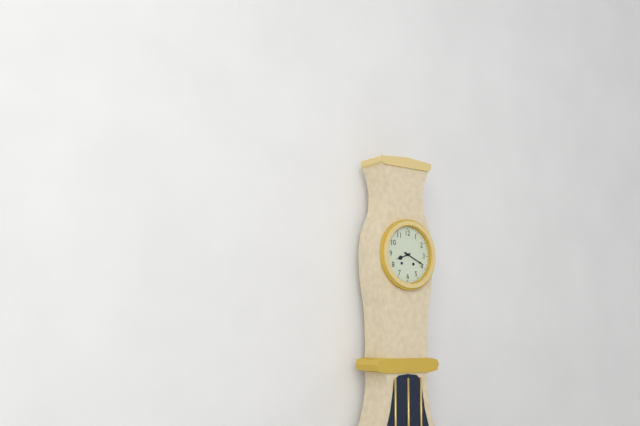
8,19
